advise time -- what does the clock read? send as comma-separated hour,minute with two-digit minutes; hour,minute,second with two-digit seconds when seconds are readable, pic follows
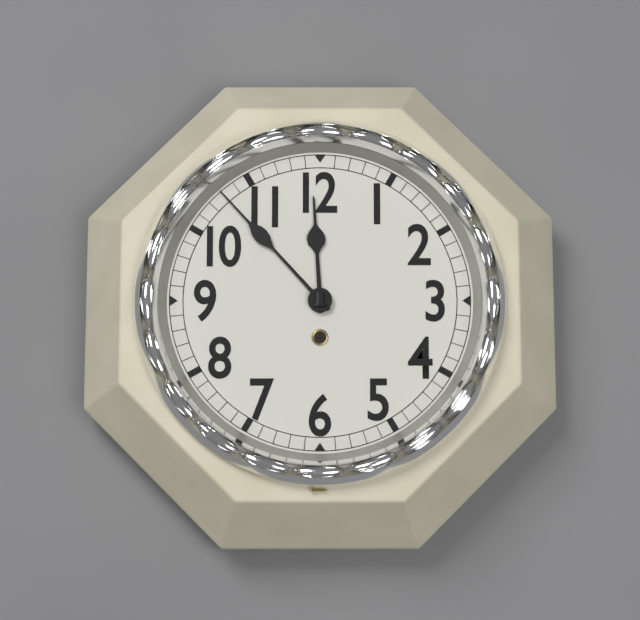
11,53
